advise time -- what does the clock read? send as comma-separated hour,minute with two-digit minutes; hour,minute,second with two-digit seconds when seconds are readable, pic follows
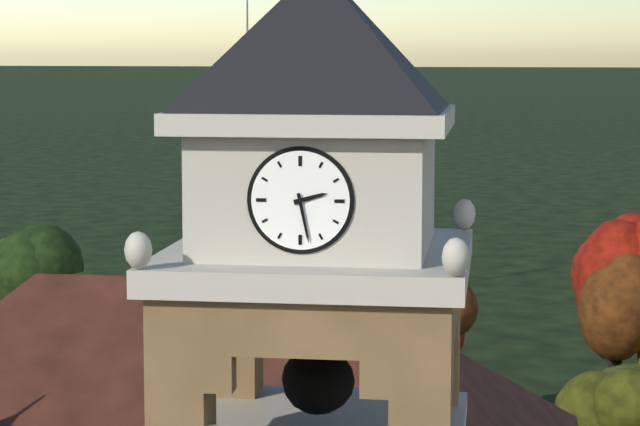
2,28
